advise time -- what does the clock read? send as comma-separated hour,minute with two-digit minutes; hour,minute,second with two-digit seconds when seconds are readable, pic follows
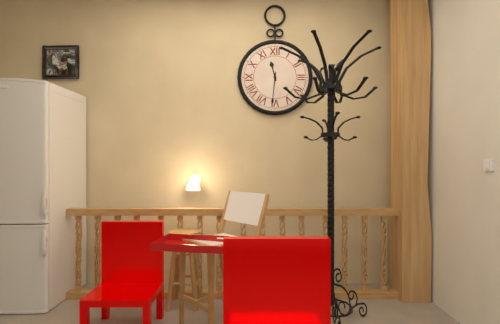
11,31
